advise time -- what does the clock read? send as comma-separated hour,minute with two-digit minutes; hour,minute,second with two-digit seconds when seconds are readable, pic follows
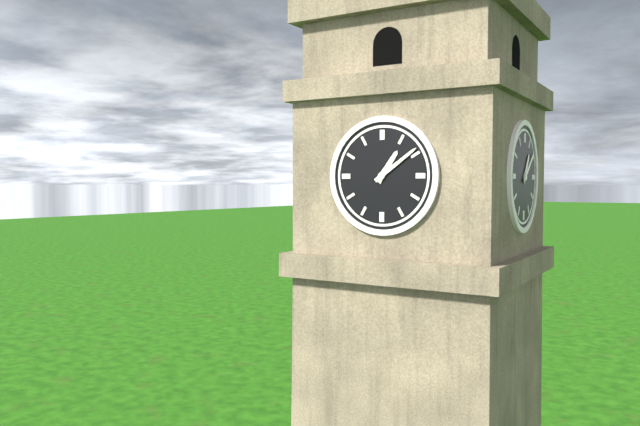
1,09
